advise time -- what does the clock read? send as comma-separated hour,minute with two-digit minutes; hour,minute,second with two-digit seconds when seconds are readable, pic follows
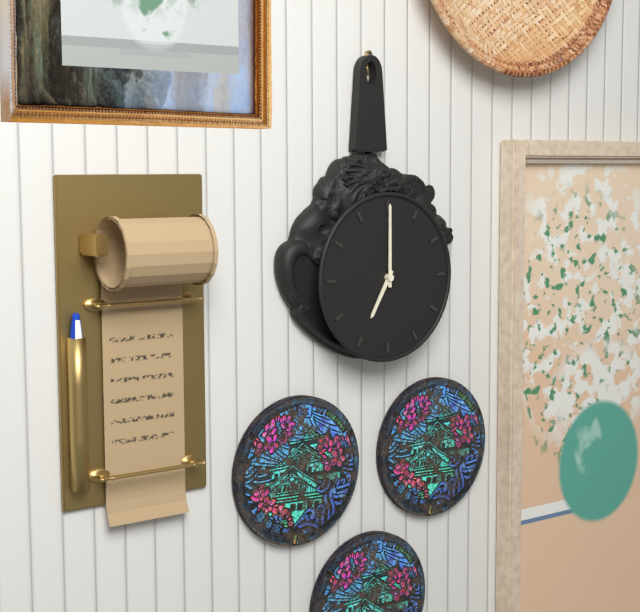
7,00
